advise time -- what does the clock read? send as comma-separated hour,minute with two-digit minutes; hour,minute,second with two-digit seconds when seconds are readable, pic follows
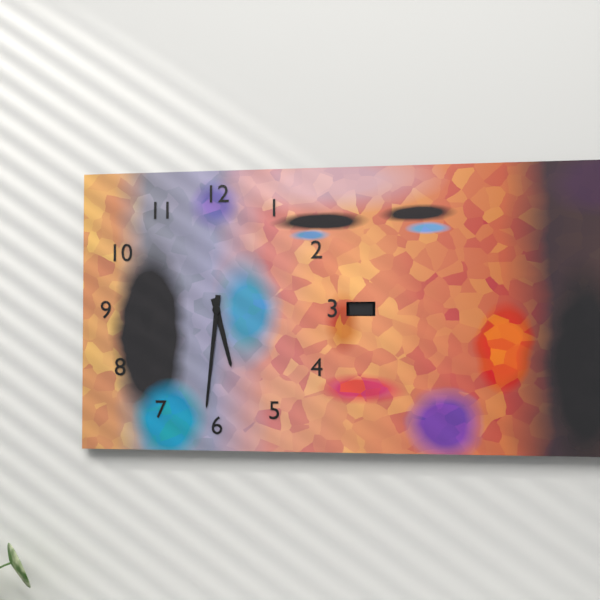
5,31
